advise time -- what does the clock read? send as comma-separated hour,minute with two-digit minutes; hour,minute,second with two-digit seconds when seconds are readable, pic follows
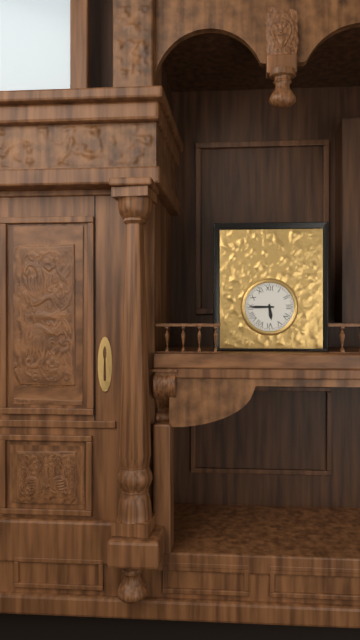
5,45
